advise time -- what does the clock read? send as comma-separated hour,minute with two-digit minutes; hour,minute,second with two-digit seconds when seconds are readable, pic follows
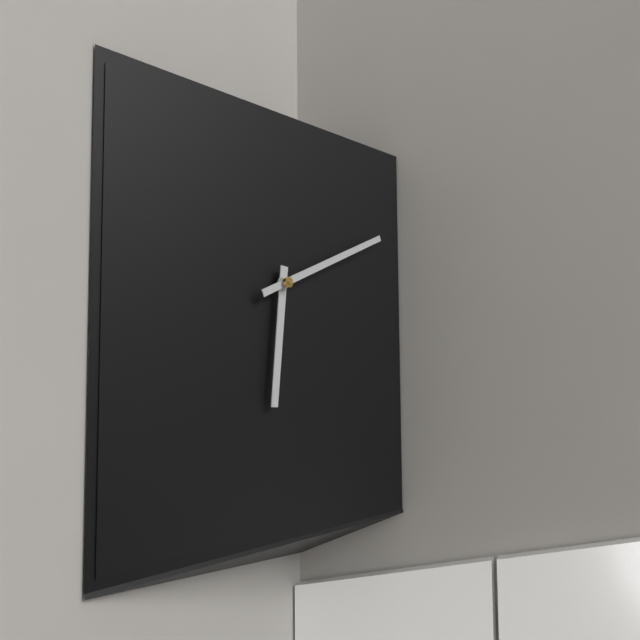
6,11
